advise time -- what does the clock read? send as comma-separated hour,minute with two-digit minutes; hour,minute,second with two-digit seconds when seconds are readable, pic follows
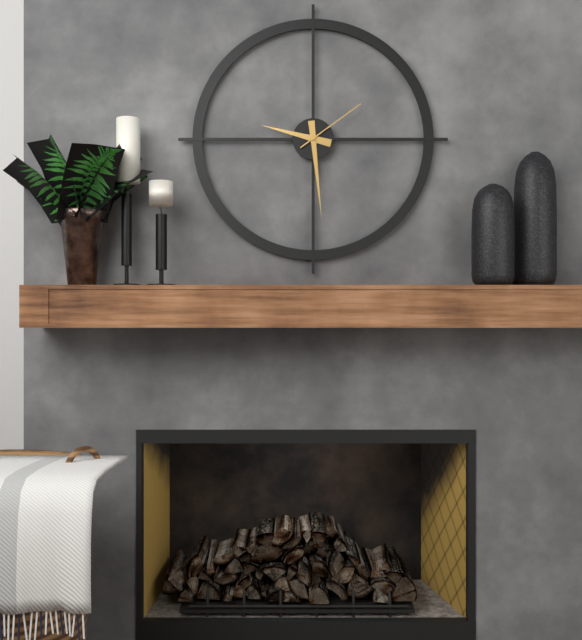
9,29,09
